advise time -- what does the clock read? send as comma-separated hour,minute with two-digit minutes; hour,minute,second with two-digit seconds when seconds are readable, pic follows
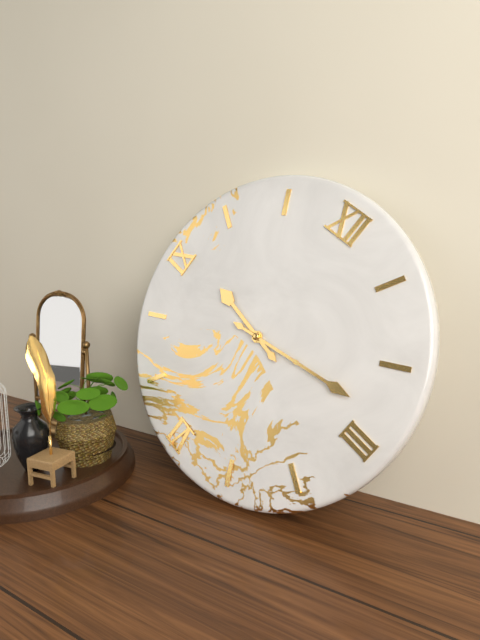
9,13
